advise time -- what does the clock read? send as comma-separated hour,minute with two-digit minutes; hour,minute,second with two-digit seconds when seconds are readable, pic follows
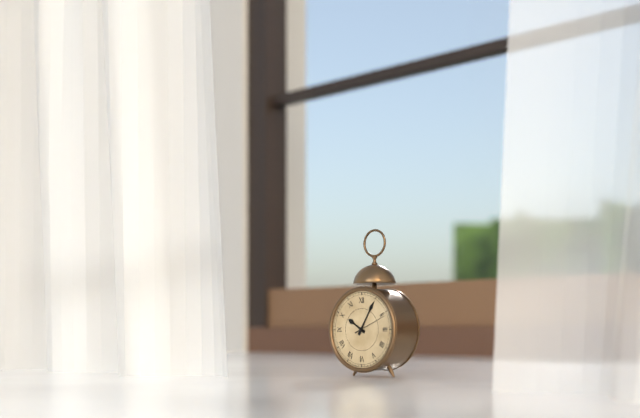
10,05
